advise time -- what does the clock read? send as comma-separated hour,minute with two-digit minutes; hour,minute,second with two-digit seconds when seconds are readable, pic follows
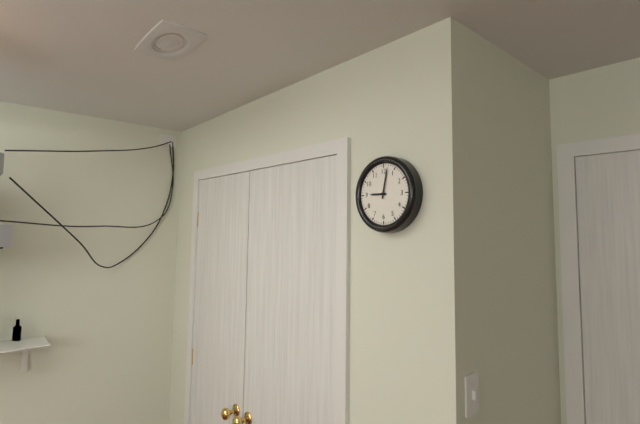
9,02
